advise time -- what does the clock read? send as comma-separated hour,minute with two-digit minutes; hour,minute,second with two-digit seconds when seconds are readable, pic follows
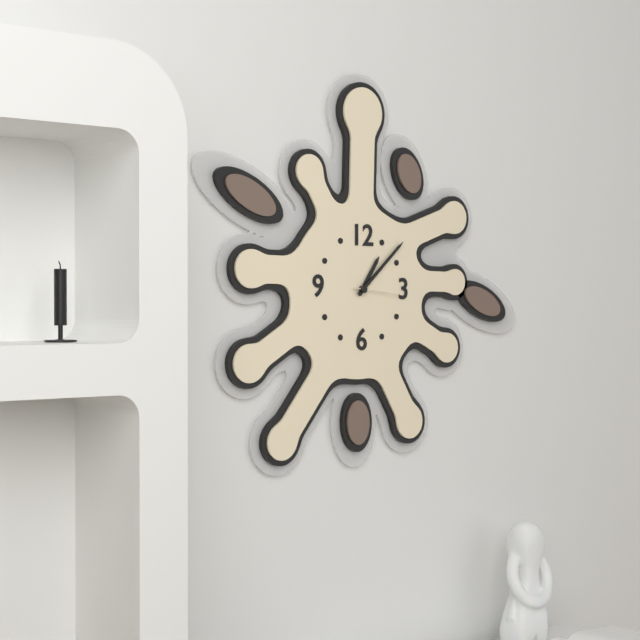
1,08,16
